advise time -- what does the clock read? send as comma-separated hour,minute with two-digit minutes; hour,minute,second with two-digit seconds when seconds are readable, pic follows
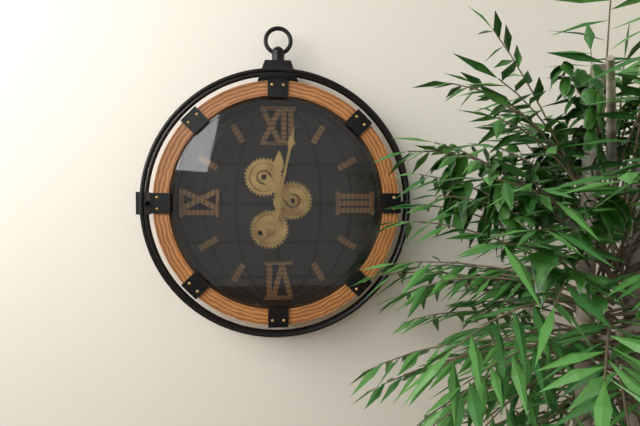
12,02
